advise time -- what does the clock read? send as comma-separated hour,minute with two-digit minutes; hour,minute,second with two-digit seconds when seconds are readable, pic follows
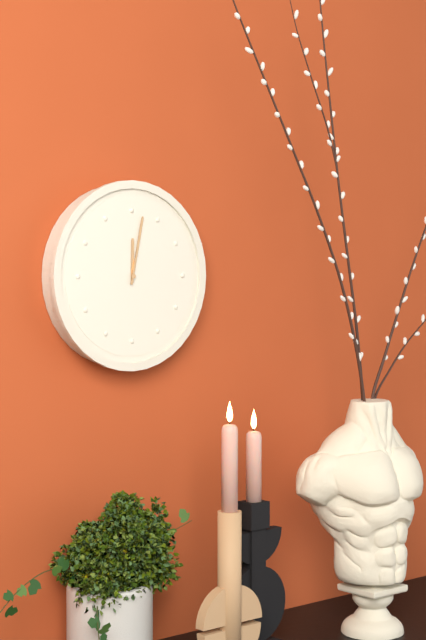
12,02
